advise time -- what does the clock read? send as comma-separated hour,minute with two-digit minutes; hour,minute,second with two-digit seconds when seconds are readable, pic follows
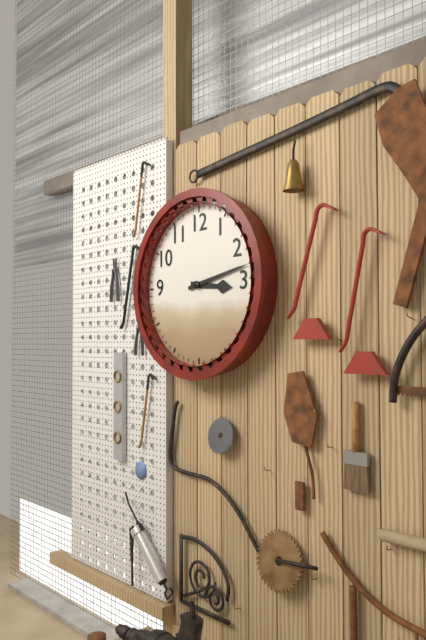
3,13
